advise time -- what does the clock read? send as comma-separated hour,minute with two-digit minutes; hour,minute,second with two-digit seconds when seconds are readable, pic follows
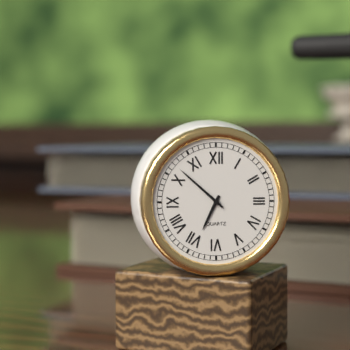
6,52
